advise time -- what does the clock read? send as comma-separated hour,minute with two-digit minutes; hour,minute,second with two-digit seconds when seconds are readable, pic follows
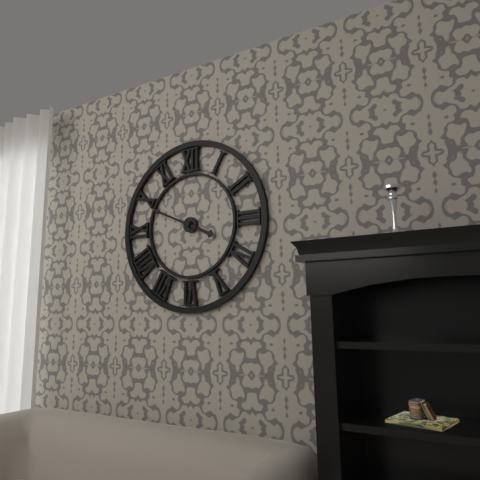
3,49
